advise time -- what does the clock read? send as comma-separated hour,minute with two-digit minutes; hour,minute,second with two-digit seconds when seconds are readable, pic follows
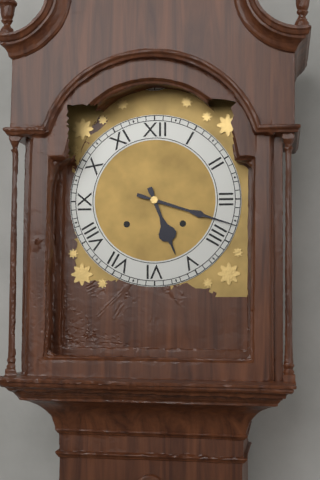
5,18
